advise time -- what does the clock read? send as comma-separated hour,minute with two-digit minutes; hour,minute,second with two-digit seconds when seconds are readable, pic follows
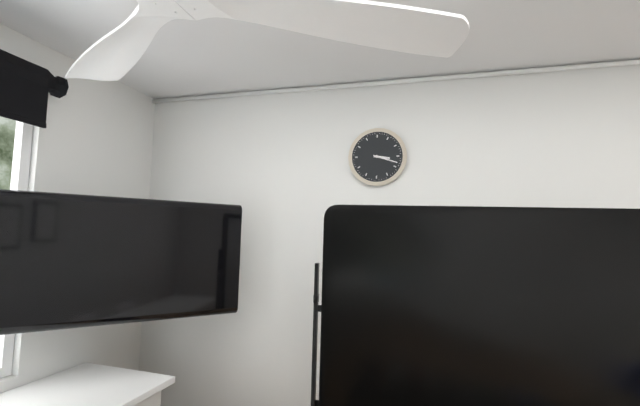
3,18
